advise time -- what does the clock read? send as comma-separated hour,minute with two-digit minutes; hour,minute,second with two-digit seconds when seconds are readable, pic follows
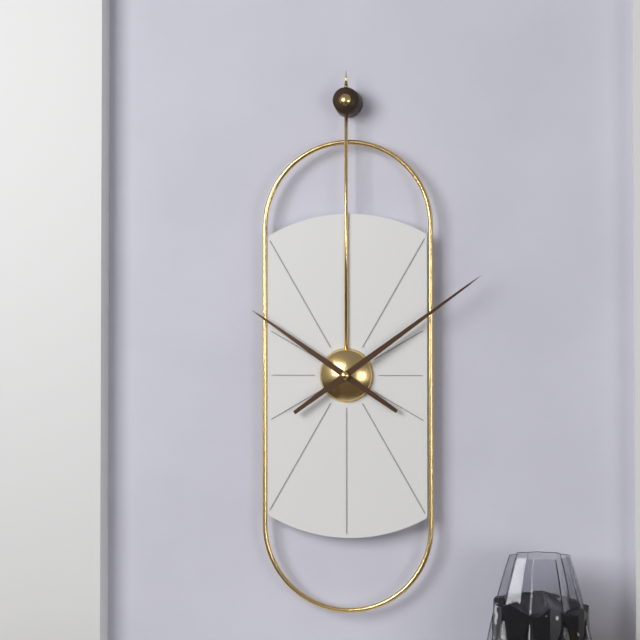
10,09
